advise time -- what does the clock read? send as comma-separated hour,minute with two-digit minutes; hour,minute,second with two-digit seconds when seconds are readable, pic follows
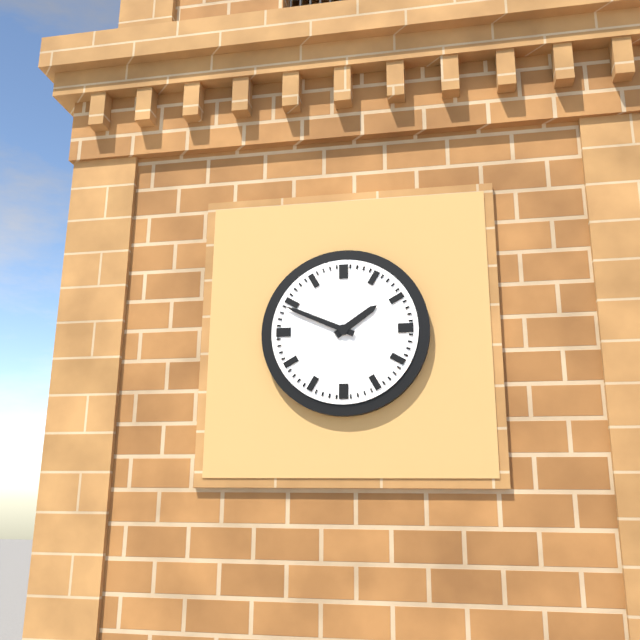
1,49
